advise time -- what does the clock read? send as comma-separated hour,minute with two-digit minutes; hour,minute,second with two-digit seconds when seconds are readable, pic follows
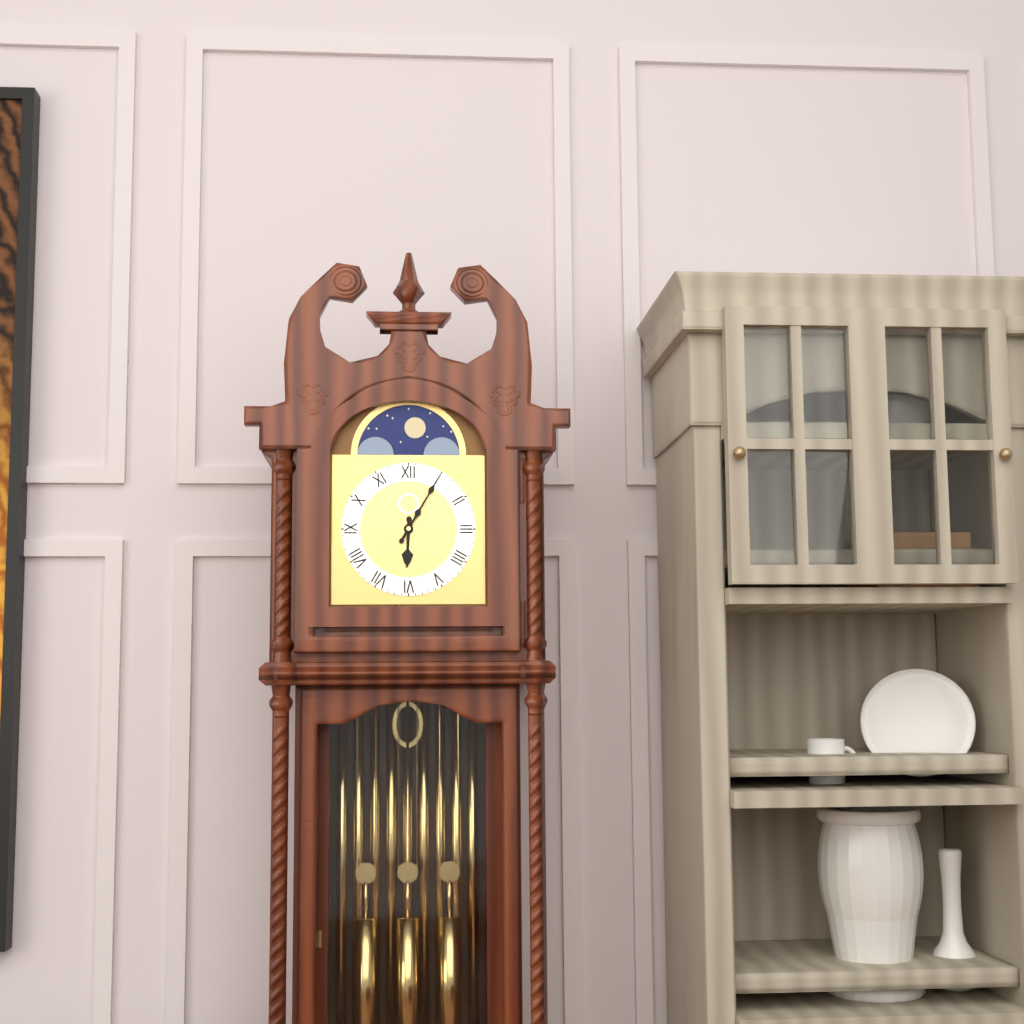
6,05
